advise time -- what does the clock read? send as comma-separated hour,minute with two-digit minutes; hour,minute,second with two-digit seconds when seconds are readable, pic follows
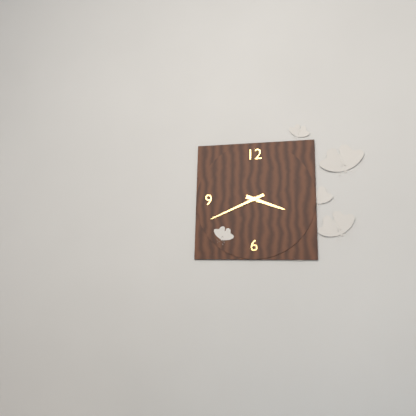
3,41
